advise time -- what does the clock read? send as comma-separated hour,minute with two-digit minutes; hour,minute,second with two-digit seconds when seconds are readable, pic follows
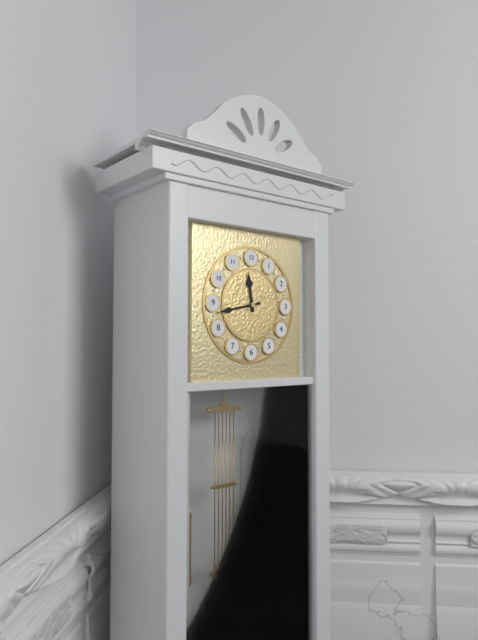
11,43
